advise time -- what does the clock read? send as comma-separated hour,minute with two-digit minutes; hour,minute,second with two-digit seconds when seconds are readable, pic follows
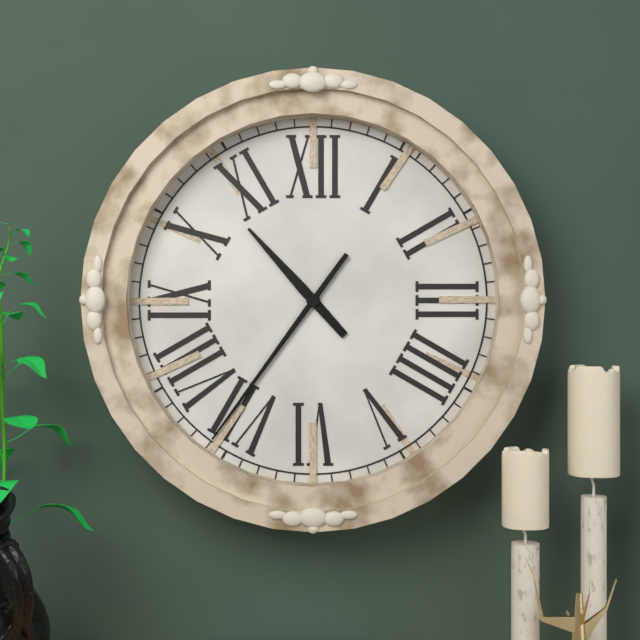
10,36
